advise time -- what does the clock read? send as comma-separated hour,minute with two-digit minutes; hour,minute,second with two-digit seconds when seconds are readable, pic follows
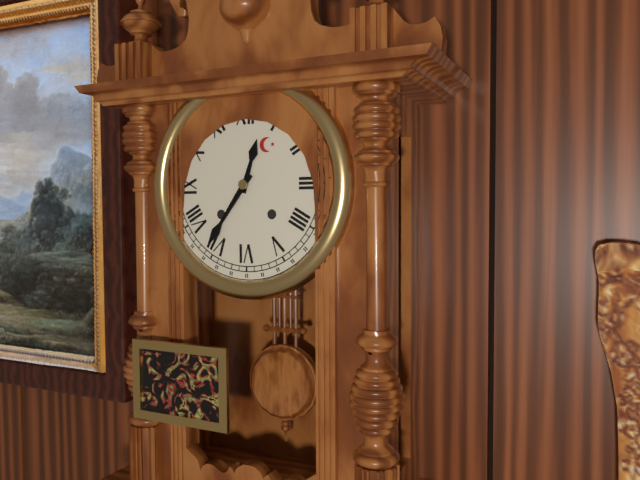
12,36
